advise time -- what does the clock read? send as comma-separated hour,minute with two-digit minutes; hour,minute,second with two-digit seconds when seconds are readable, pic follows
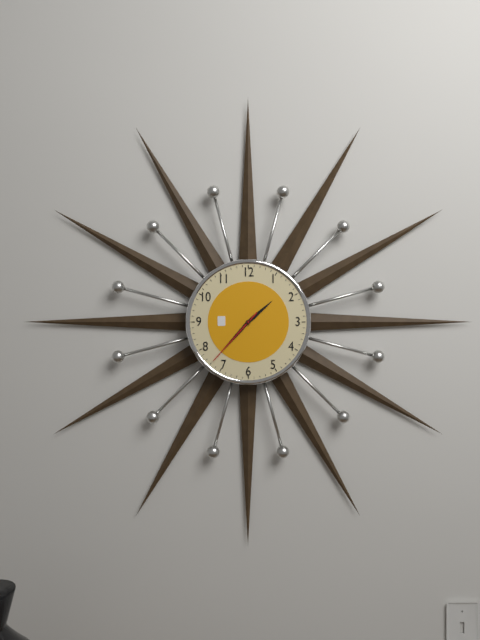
1,37,37
